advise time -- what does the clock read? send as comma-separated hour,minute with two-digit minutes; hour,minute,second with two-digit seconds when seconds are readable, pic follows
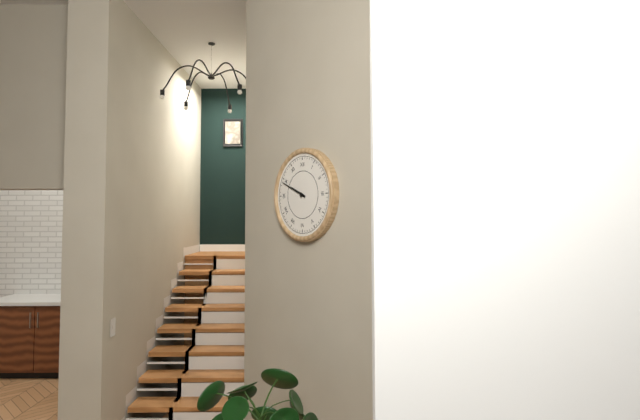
9,49
